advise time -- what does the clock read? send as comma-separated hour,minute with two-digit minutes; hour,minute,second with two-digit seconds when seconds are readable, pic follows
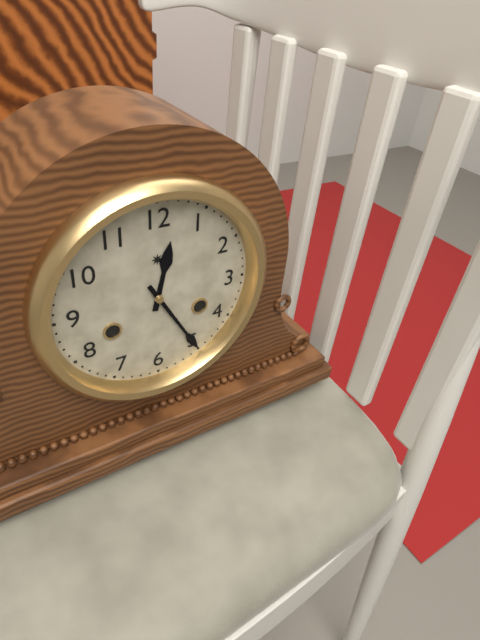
12,25
